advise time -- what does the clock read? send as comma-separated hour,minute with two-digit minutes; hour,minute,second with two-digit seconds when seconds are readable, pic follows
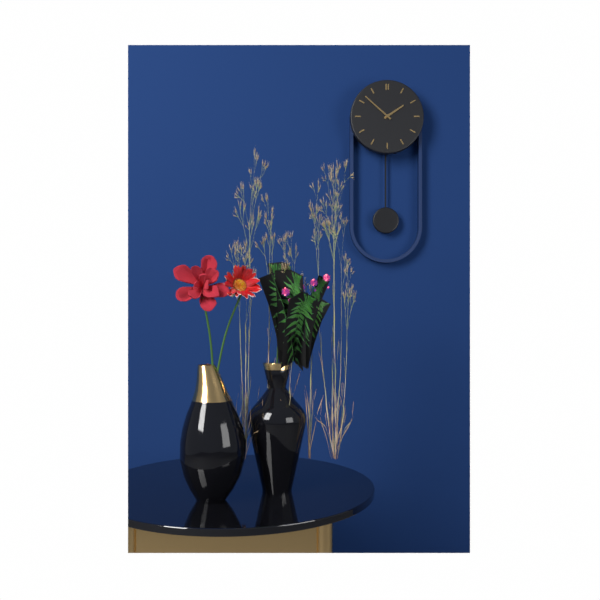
1,52
